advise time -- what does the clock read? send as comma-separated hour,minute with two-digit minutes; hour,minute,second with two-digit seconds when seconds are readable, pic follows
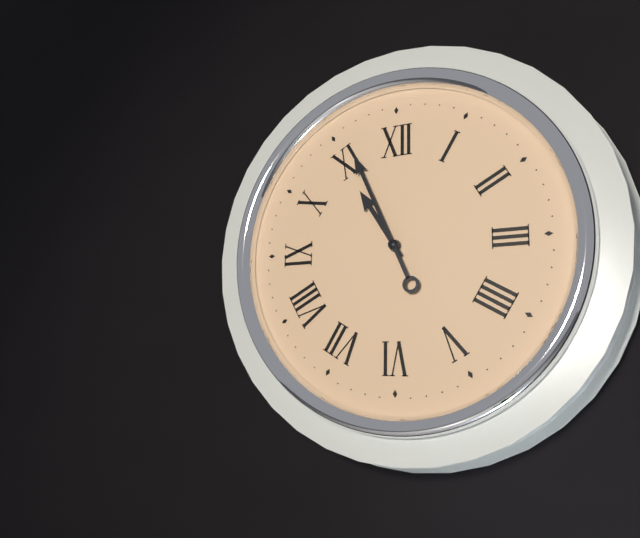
10,56
